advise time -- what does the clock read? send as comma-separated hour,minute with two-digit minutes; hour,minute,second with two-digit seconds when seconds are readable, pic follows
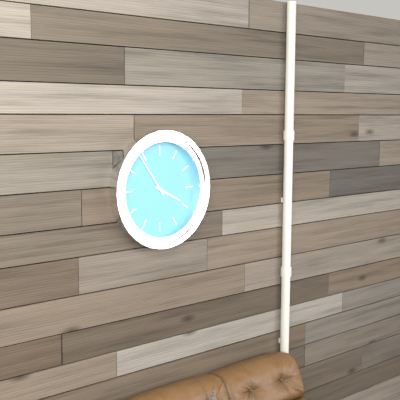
3,54
